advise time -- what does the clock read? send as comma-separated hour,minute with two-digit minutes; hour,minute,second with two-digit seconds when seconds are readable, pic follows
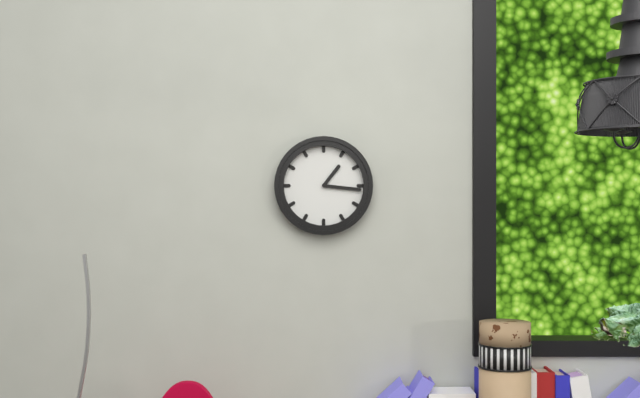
1,16
